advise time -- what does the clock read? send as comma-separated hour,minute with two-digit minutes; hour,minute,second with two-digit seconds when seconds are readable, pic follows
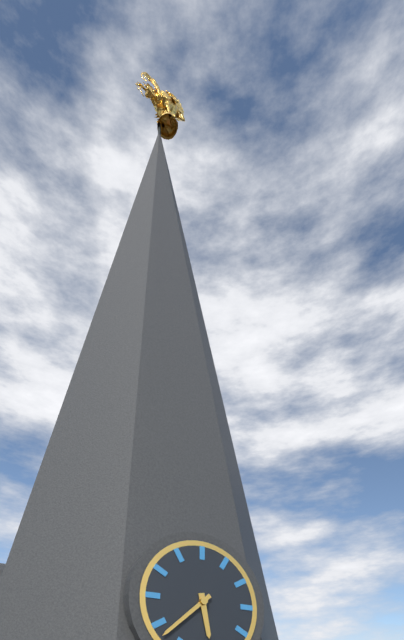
5,38
